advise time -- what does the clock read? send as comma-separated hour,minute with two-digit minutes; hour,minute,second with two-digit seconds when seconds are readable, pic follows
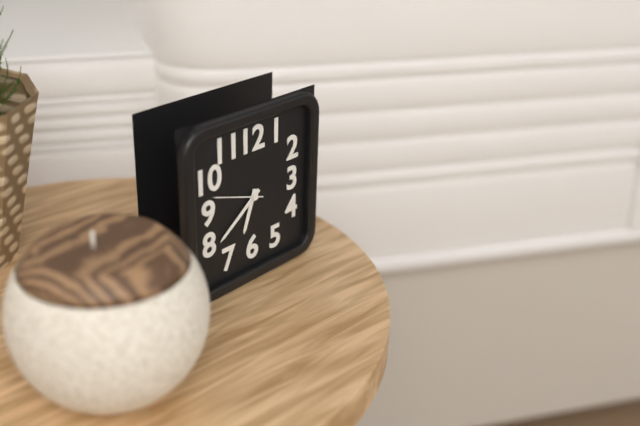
6,39,48
